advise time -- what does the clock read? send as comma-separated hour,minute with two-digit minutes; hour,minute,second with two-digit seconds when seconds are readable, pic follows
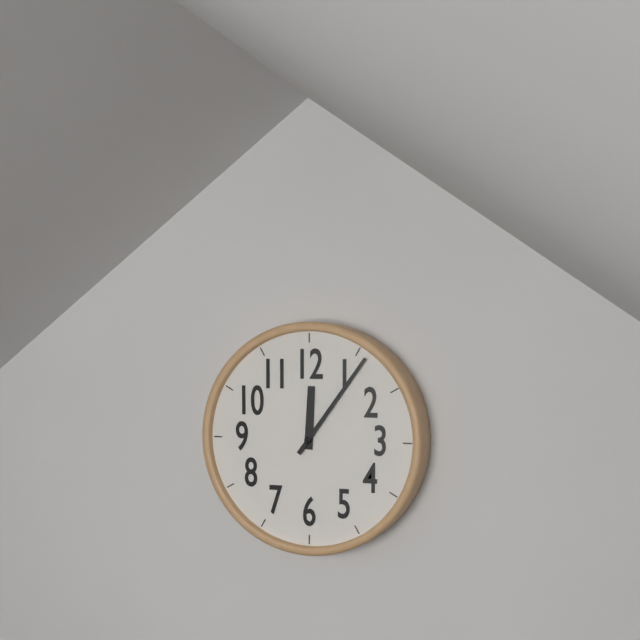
12,06
